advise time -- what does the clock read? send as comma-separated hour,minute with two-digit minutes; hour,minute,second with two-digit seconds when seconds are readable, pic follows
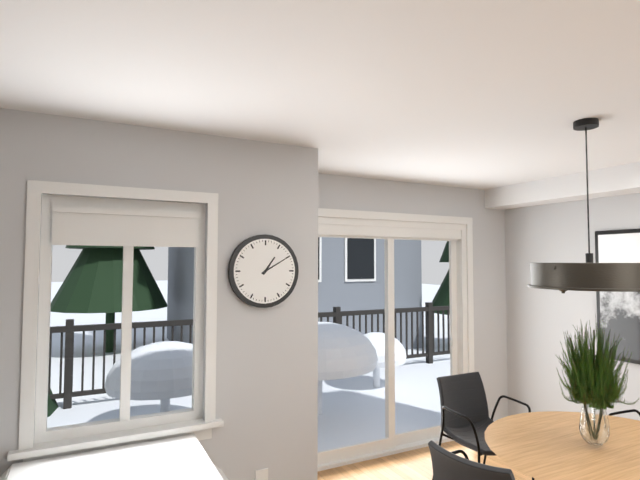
1,10
